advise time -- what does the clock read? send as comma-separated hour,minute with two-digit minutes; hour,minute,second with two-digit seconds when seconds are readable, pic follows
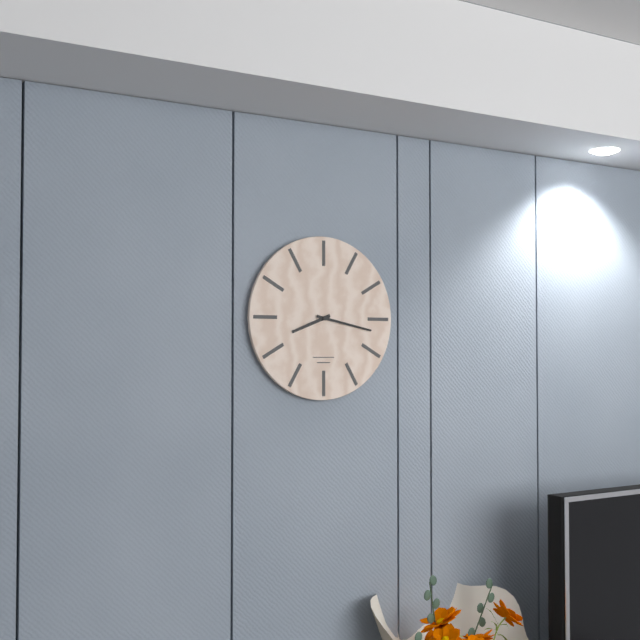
8,17
